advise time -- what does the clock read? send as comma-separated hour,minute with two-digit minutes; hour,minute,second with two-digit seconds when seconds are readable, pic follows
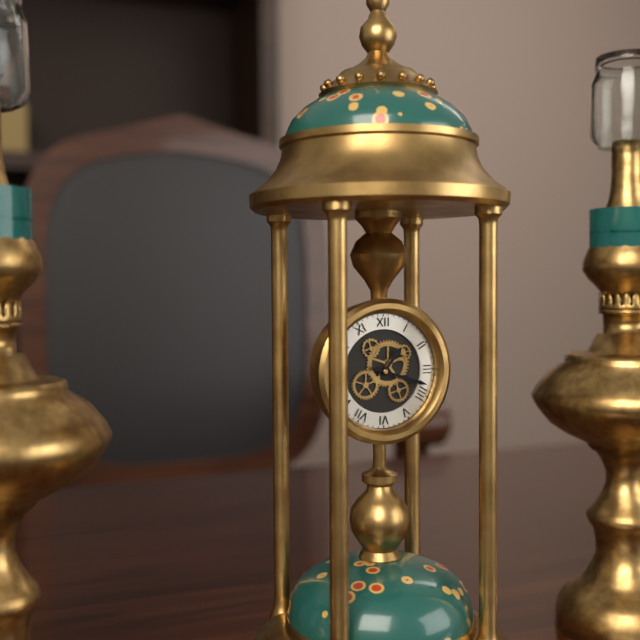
1,18
